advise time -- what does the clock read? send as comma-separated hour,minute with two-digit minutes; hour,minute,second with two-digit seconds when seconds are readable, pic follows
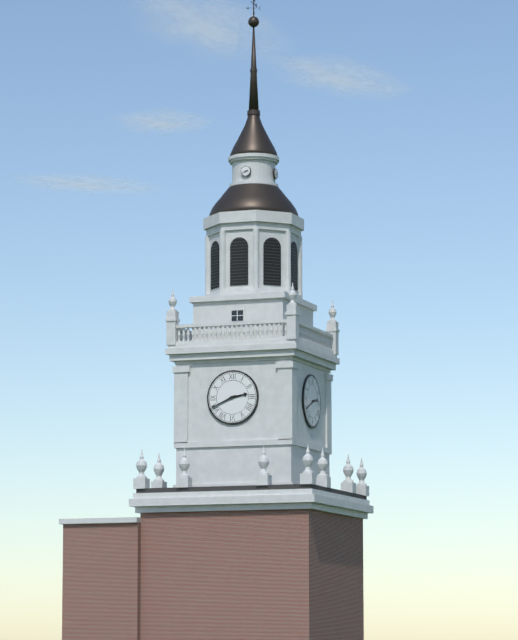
2,41
